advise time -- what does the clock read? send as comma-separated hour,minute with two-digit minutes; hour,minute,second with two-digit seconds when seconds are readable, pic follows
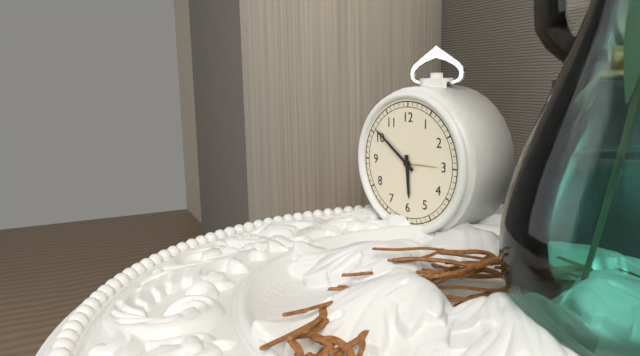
5,51
